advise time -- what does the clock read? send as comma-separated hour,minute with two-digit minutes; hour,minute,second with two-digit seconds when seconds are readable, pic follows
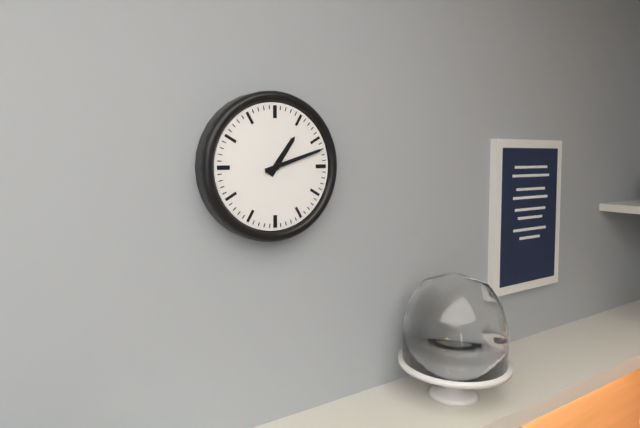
1,12
